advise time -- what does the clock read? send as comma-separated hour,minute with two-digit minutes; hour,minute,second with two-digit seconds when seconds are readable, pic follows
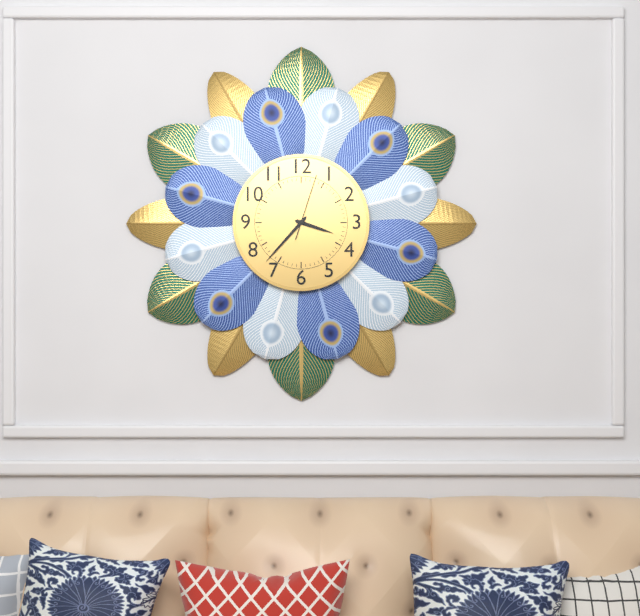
3,37,03
